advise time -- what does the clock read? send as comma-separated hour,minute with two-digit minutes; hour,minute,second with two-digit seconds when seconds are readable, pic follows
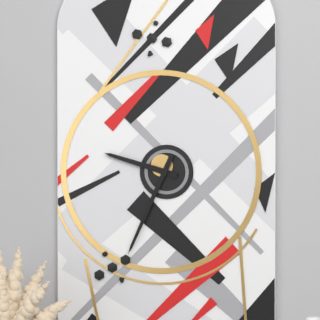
9,34
